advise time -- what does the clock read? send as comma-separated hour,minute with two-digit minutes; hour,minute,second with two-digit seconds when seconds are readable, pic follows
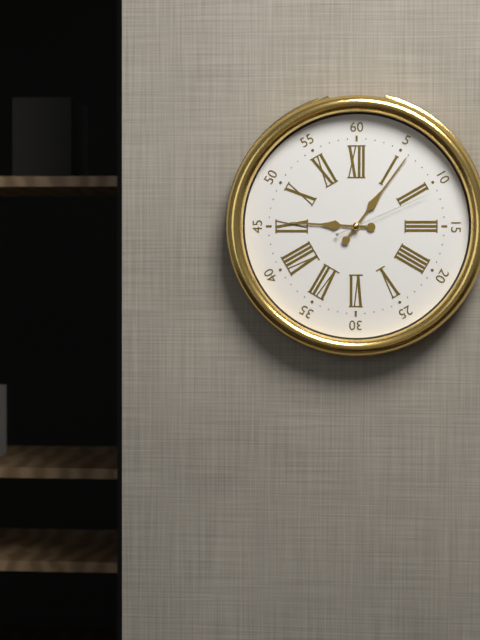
9,06,11
